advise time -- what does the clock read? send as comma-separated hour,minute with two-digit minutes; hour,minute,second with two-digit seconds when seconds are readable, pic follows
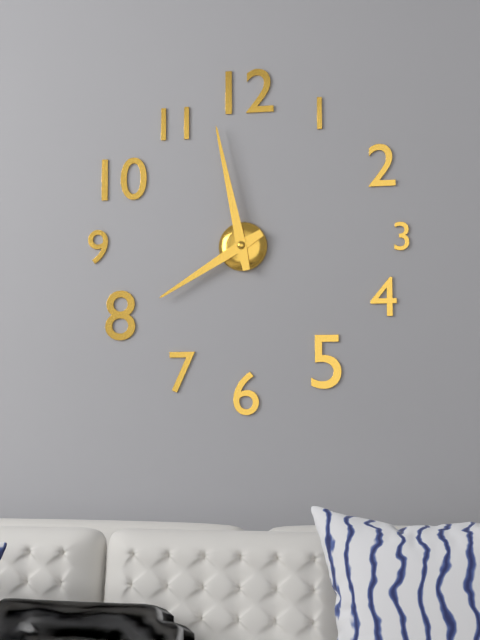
7,58
